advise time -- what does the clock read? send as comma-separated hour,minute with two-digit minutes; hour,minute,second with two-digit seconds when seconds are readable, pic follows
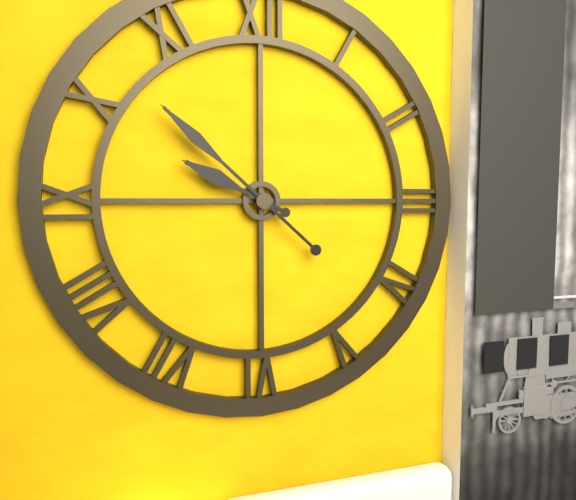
9,52
